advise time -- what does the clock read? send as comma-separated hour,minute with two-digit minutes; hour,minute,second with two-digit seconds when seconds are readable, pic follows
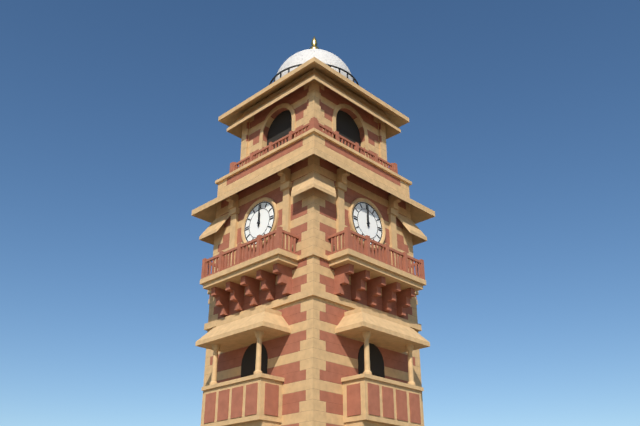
12,00
